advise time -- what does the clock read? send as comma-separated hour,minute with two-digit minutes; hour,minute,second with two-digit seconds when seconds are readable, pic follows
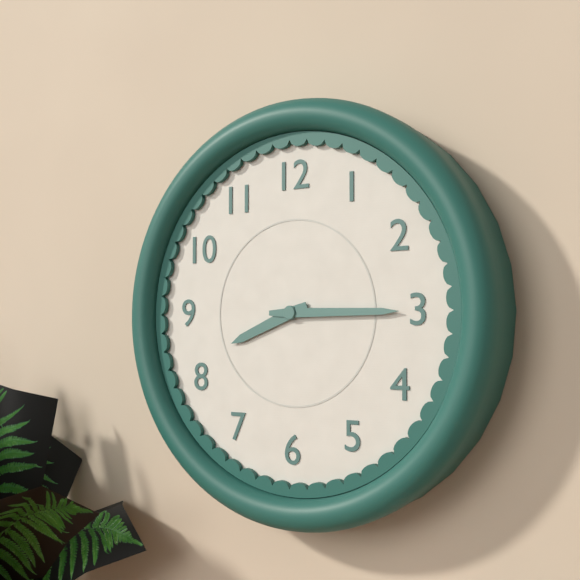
8,15
